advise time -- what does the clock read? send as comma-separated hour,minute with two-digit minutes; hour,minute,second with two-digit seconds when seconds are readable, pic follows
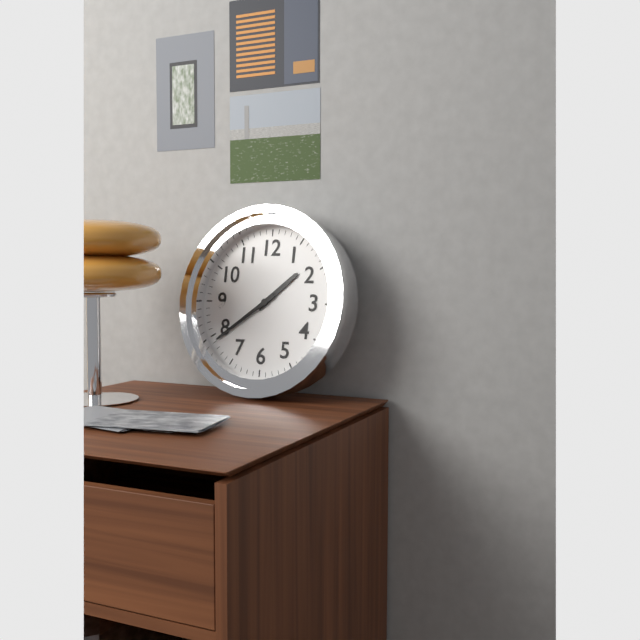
1,39
